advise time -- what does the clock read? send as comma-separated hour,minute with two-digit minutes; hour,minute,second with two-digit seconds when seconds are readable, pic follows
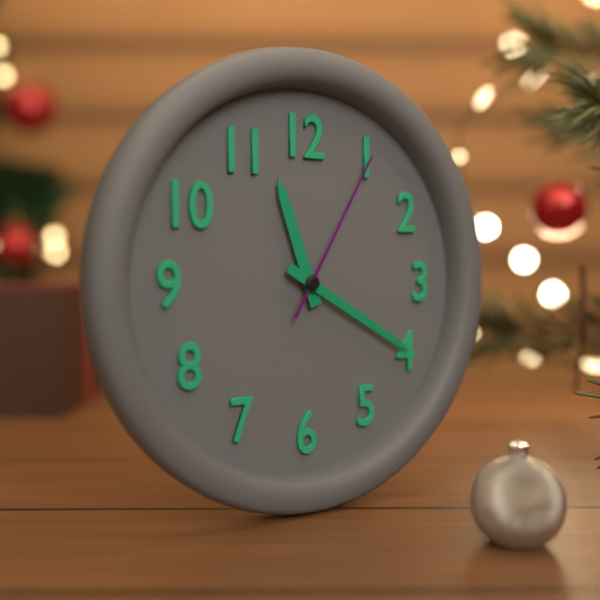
11,20,05
